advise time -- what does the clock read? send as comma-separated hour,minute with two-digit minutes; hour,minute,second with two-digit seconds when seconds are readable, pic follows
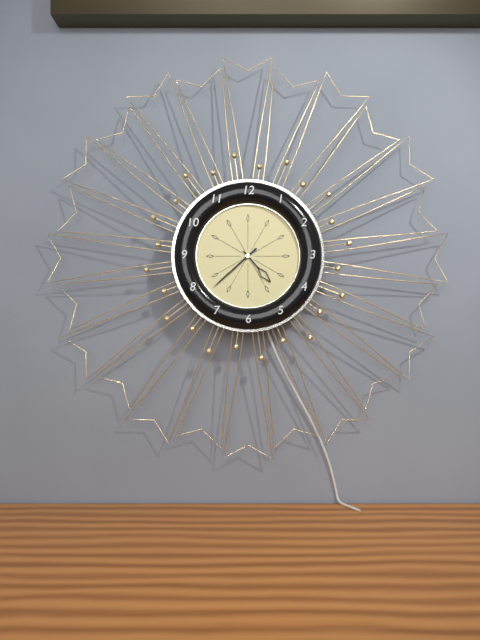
4,38
